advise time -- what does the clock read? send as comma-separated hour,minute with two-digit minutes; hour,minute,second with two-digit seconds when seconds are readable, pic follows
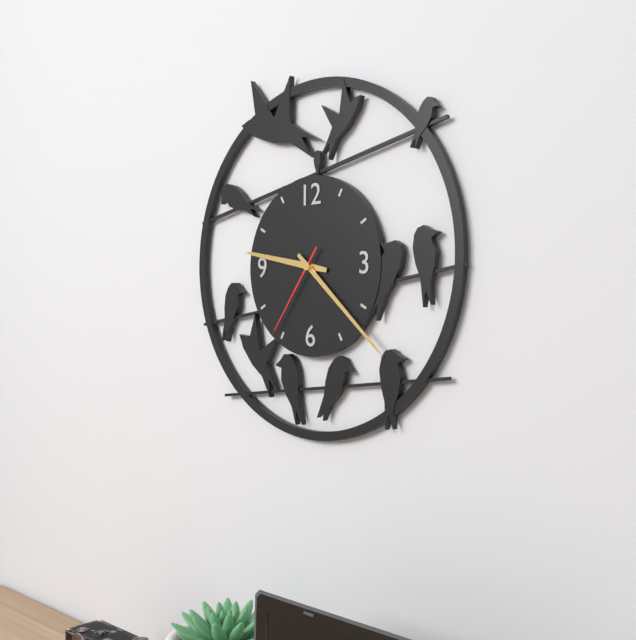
9,22,36
